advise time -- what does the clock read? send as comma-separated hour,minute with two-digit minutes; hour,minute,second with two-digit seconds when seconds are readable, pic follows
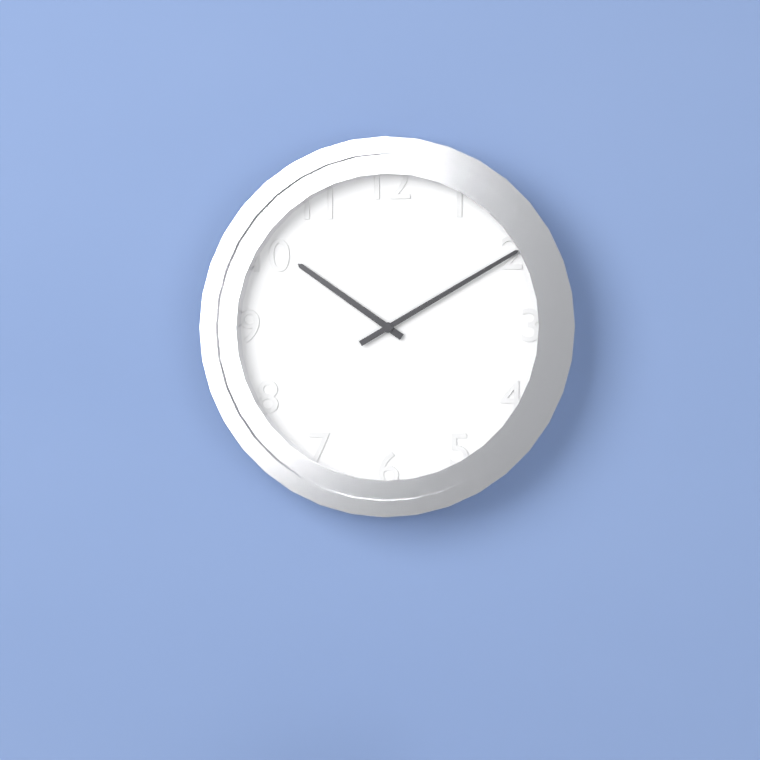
10,10
